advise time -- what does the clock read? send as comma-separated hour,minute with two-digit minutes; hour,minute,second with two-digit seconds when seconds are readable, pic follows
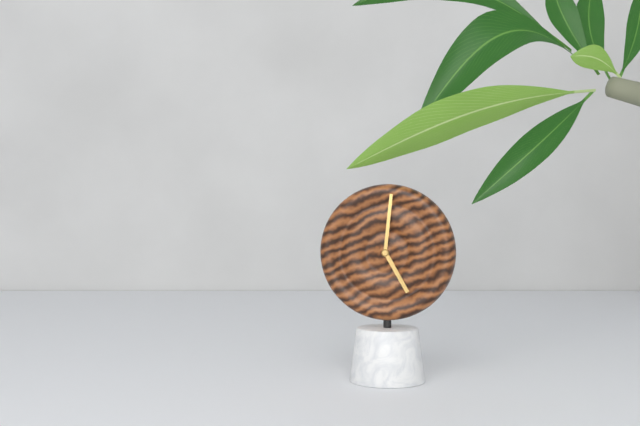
5,01
